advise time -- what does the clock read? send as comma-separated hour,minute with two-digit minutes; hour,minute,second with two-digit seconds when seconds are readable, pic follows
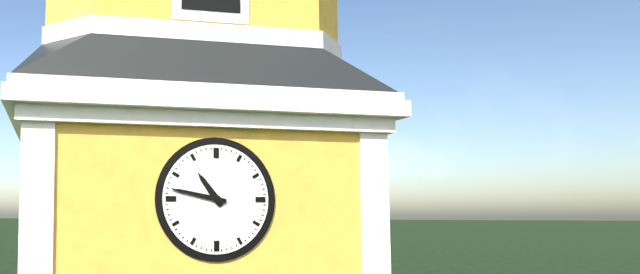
10,47
